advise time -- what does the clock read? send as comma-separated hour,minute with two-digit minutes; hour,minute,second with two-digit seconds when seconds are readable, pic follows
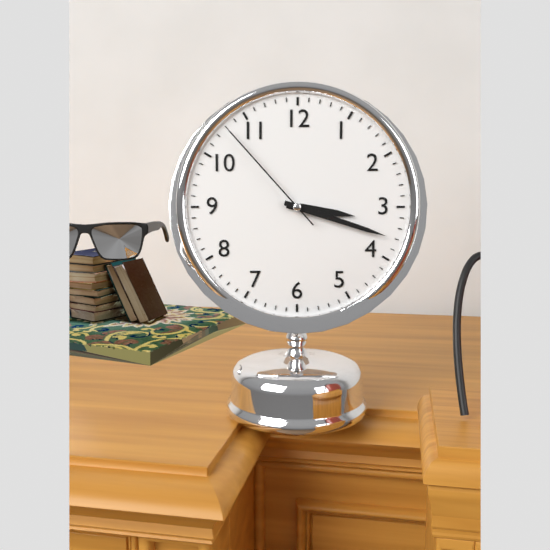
3,18,53
